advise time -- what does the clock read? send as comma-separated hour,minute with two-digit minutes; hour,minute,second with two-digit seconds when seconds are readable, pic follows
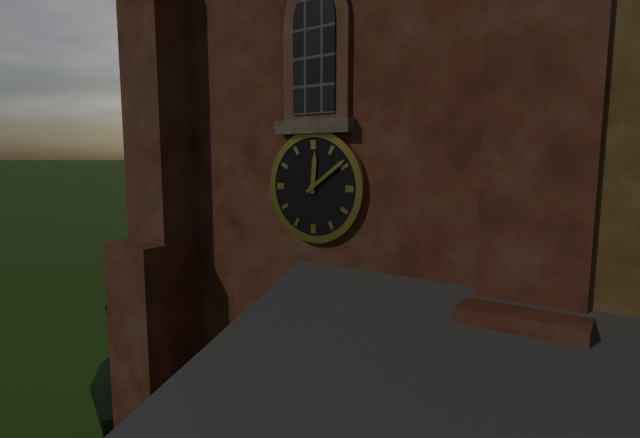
12,09
